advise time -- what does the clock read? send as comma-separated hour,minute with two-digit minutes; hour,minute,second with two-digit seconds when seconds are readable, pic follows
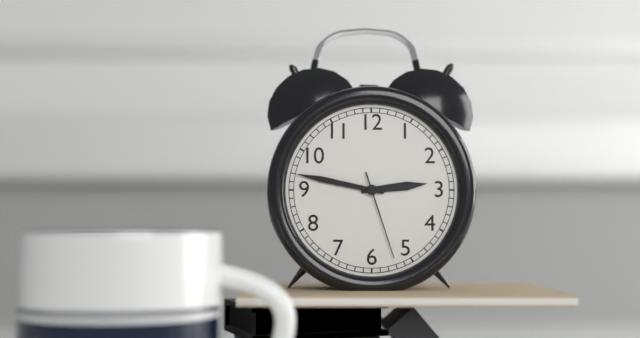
2,47,27
